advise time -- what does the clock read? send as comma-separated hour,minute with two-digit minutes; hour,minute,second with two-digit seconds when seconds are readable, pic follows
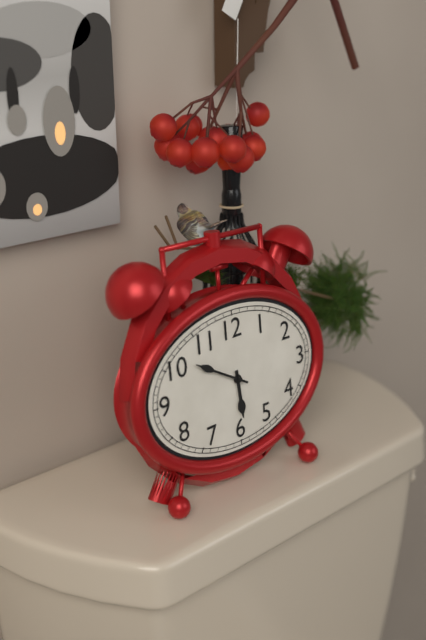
5,50
